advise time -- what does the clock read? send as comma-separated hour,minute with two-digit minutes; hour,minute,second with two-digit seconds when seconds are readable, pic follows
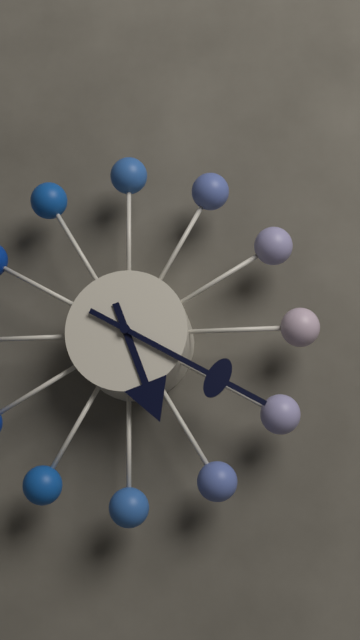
5,20
